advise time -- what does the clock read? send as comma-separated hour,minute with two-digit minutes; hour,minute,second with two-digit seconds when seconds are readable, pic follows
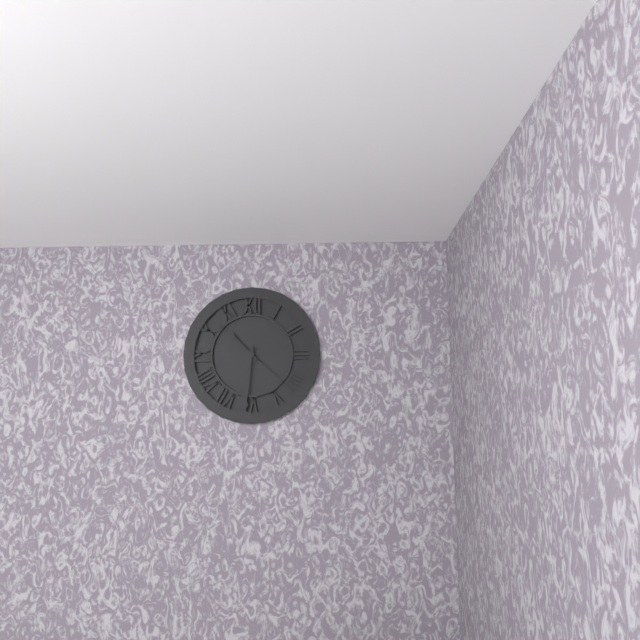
10,31,22
